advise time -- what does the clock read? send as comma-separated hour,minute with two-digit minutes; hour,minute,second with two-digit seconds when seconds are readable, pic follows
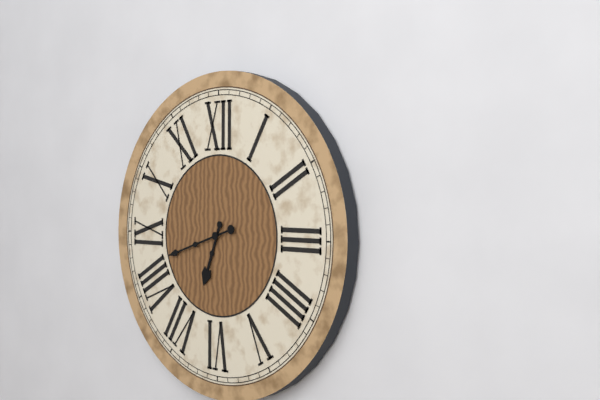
6,42
